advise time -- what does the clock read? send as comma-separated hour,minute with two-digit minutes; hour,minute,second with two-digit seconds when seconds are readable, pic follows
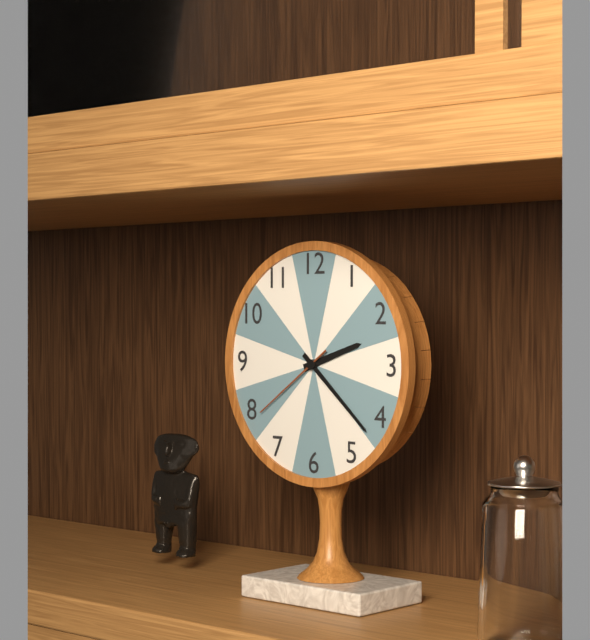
2,22,39
